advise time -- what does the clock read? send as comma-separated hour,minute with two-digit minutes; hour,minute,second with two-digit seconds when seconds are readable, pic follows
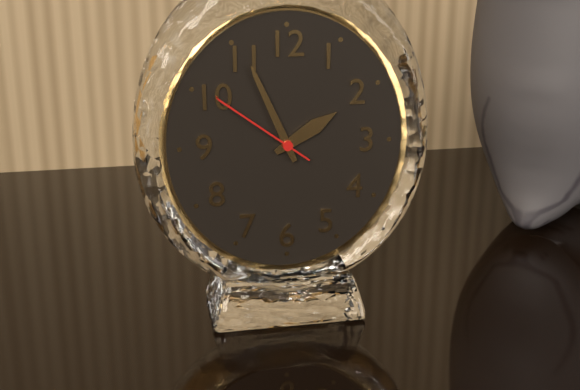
1,56,51
